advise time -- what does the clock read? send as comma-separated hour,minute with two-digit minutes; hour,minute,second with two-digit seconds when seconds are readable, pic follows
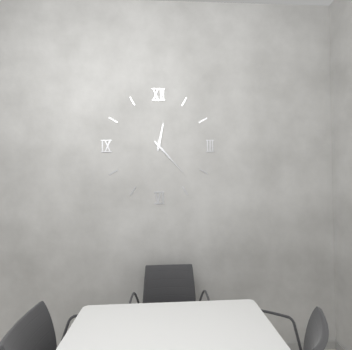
12,23
